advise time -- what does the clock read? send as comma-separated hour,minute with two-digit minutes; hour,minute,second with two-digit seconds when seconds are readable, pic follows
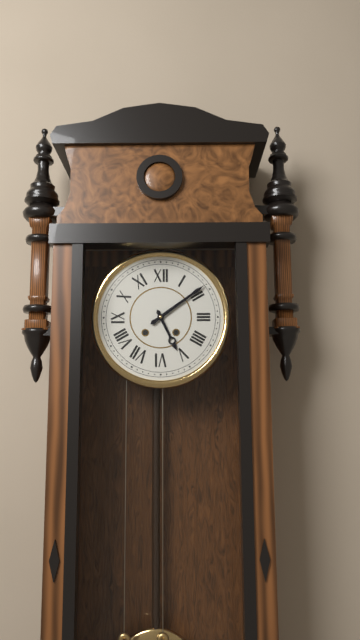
5,09
